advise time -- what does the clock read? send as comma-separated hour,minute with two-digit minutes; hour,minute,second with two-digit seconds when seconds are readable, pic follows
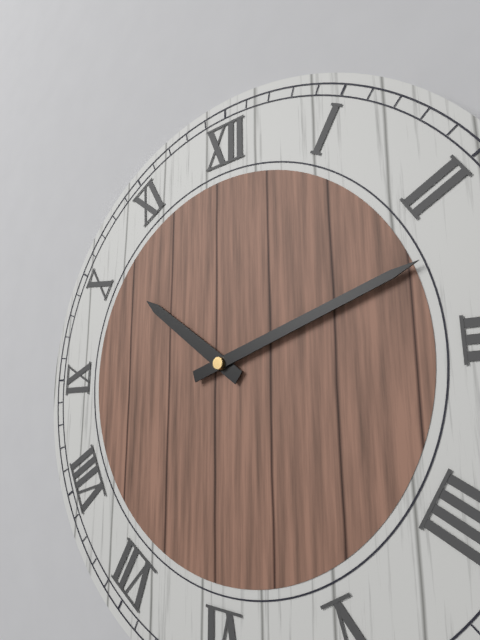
10,12
